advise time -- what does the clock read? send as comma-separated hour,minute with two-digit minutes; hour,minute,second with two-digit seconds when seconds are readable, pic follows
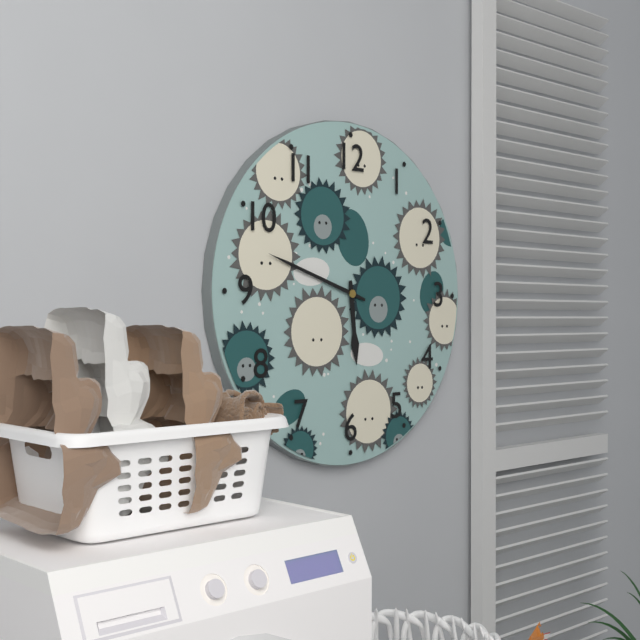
5,48
